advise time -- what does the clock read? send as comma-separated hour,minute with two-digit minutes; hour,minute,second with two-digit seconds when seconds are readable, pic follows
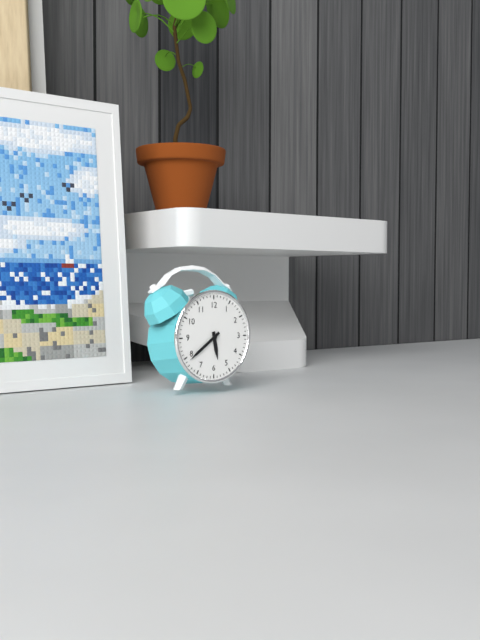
5,39
